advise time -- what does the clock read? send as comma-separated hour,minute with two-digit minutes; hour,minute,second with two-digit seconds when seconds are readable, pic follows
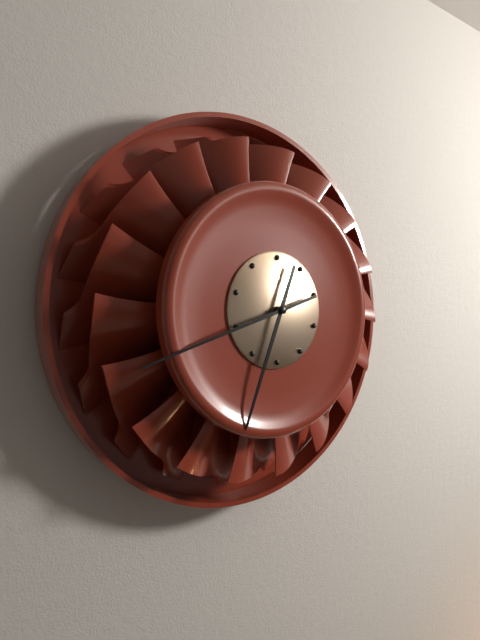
6,42
